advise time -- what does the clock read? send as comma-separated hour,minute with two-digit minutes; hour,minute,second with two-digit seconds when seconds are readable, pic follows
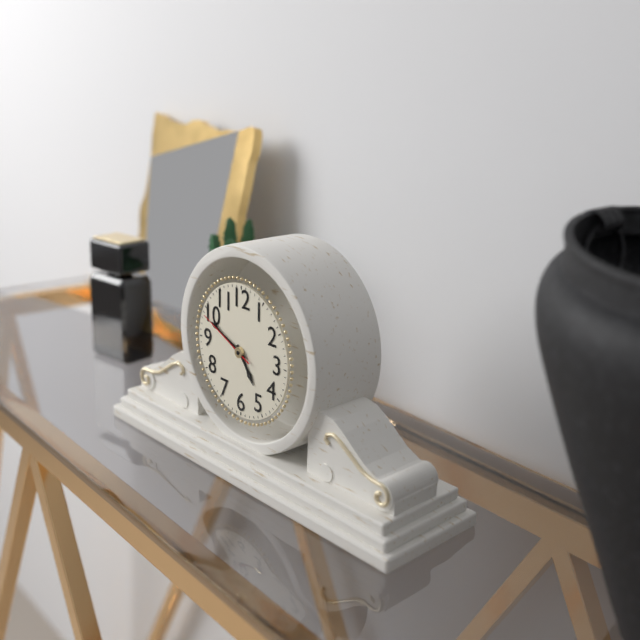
4,49,49
